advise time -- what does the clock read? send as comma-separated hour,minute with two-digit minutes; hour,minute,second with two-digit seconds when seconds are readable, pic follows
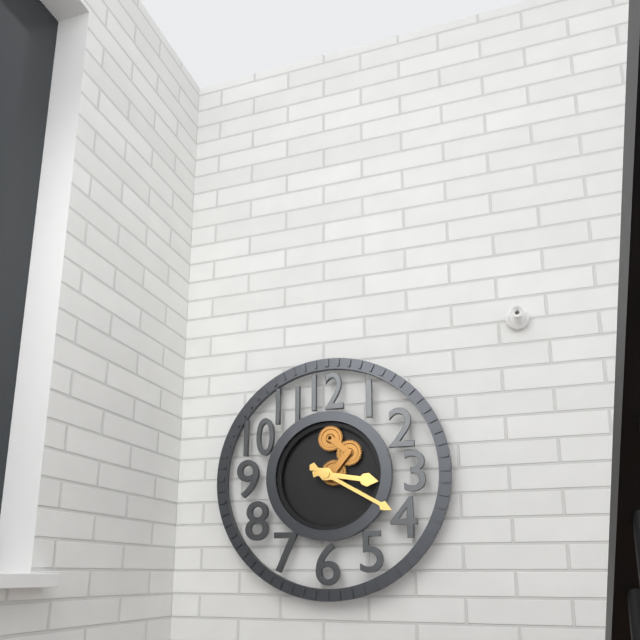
3,20
